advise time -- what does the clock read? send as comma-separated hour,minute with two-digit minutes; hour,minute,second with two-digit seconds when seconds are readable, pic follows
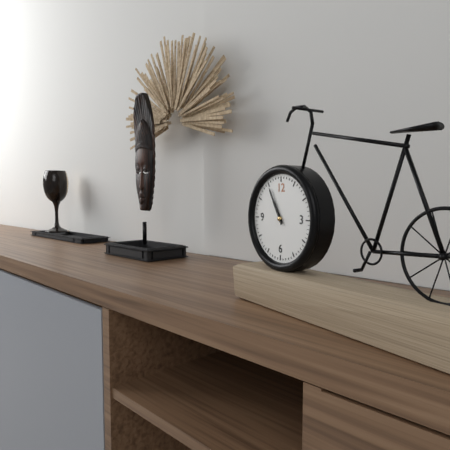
10,55
